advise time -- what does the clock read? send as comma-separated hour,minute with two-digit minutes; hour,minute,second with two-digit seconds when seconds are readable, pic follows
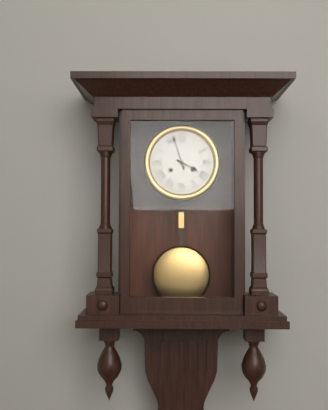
3,57
